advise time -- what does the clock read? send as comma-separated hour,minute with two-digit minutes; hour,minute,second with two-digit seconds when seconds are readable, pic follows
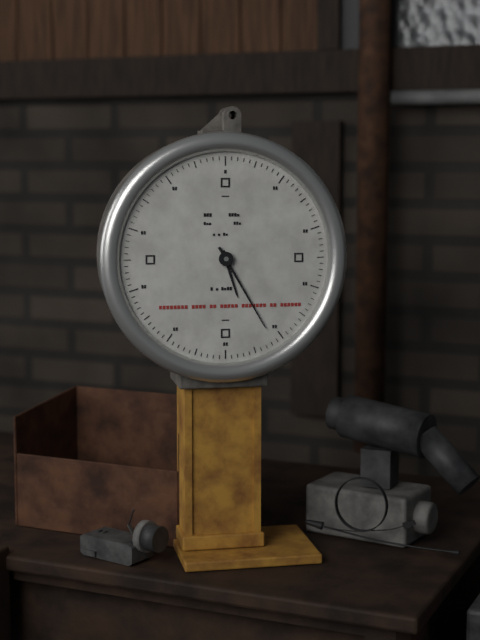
5,25
